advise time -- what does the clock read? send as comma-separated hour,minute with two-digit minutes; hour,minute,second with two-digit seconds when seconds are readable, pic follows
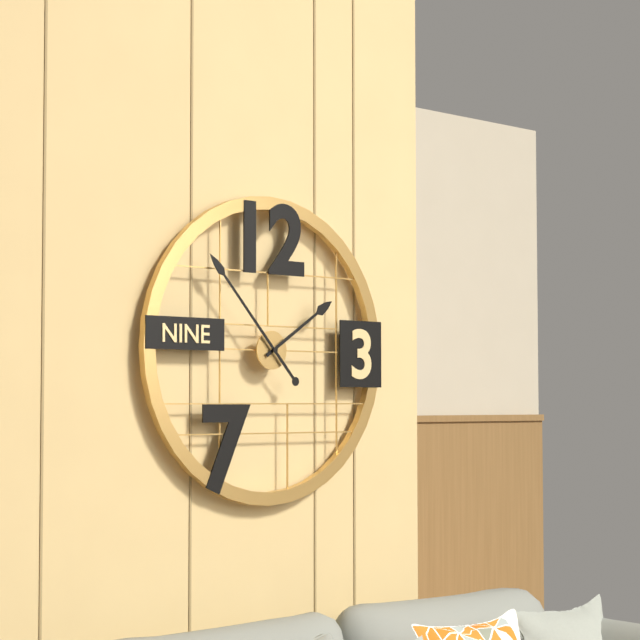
1,53
